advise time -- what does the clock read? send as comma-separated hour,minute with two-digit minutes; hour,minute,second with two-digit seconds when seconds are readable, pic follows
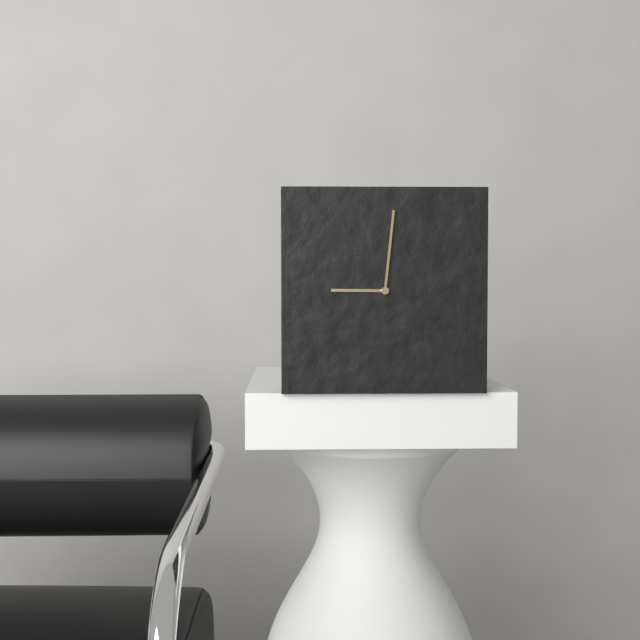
9,01
